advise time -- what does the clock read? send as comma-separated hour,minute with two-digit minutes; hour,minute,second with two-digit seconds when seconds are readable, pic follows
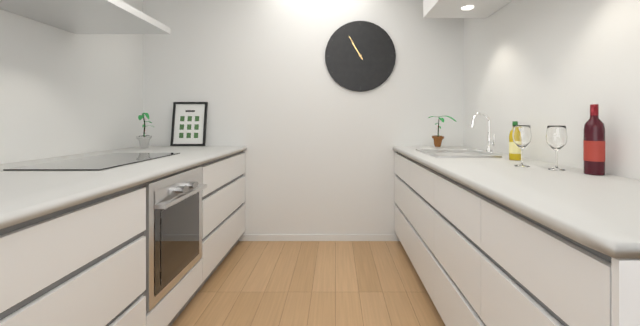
10,55
